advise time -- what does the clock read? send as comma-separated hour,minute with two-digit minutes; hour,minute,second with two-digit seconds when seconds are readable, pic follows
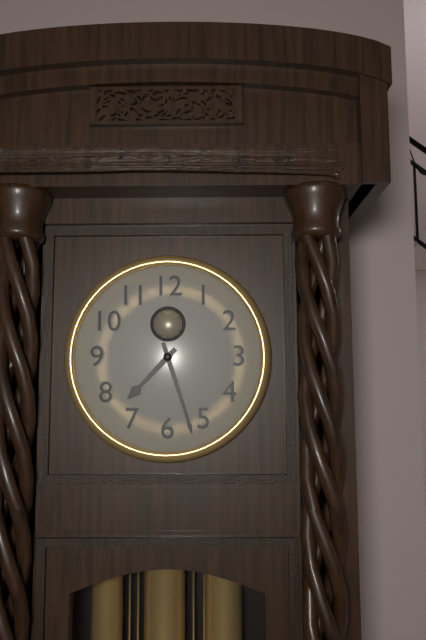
7,27
